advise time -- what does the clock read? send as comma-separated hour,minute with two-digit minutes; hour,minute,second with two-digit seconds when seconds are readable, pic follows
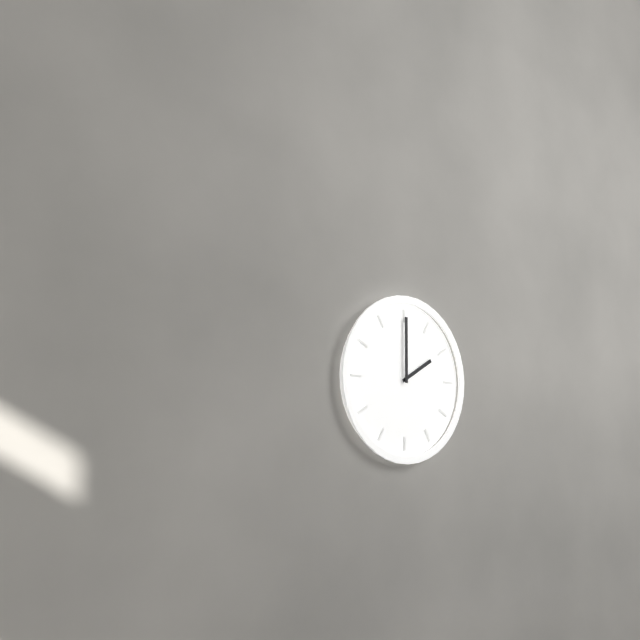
2,00
